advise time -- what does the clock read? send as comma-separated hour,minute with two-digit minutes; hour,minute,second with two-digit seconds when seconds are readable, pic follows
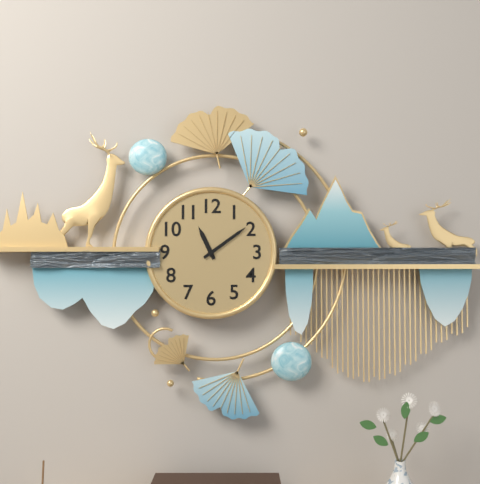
11,09
